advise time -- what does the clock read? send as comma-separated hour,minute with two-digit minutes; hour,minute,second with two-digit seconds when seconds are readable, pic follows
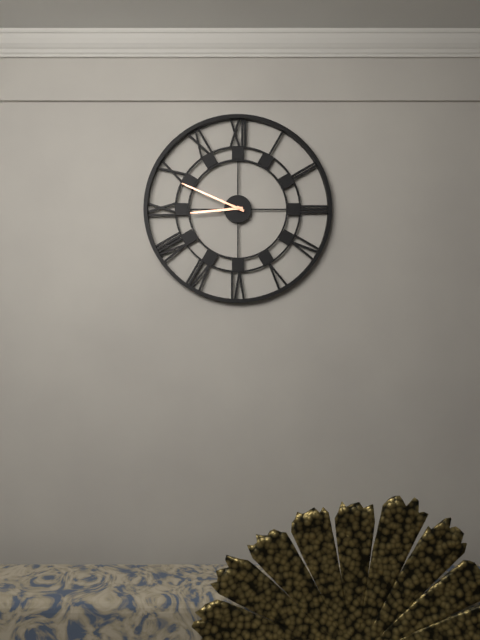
8,49
